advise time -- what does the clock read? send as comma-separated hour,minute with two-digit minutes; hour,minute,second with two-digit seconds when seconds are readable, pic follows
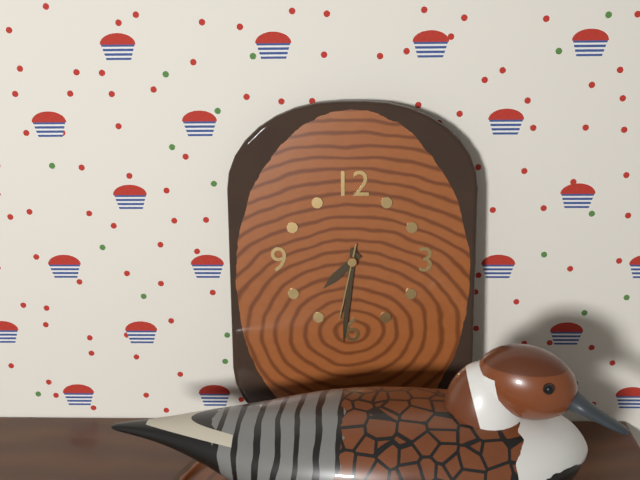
7,31,32
